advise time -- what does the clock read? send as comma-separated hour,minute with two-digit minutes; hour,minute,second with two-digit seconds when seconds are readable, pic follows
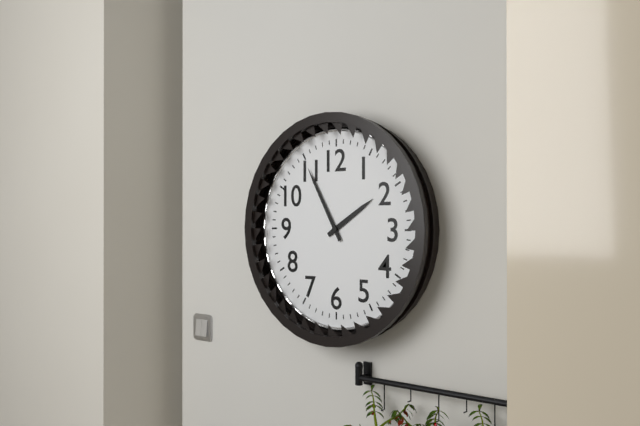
1,55
